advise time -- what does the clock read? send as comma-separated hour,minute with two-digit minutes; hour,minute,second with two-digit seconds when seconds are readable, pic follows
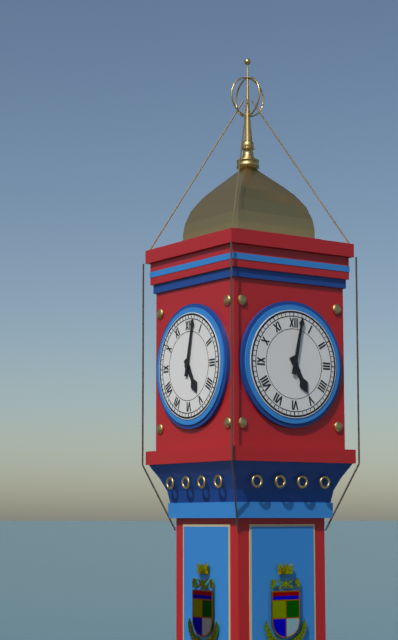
5,02
